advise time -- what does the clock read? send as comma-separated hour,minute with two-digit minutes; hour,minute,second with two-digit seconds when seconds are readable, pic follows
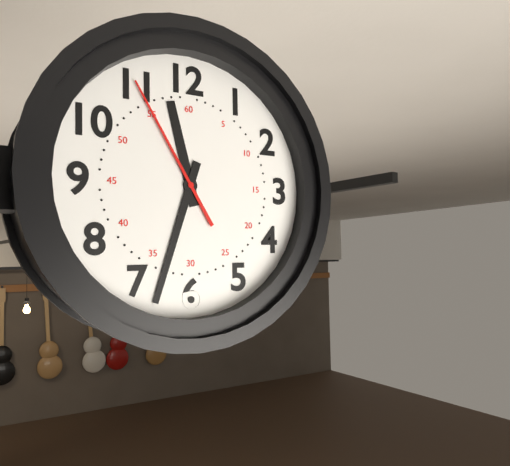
11,33,55
